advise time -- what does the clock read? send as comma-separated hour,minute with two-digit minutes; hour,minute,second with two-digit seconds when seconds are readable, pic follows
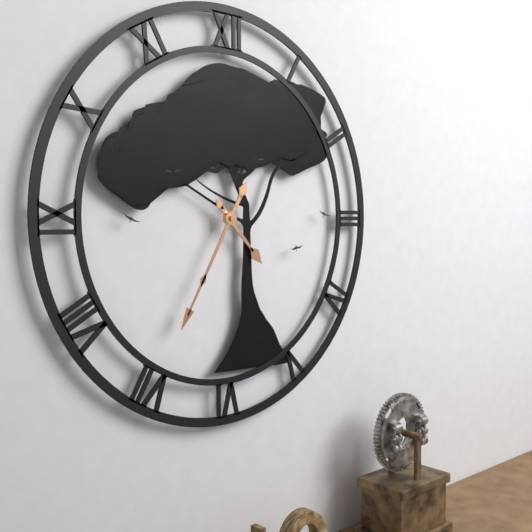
4,35
